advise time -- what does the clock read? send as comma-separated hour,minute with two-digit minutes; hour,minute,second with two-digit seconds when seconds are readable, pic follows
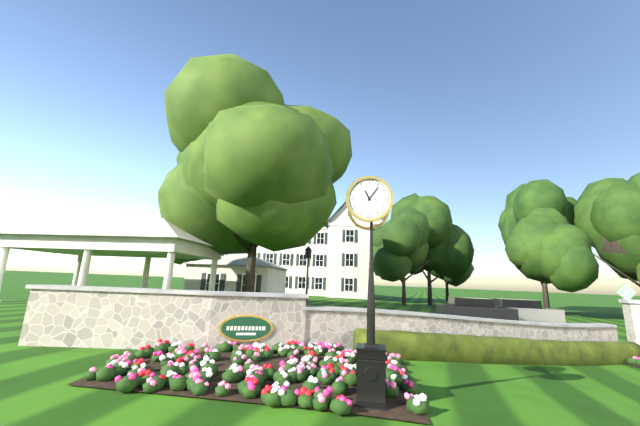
11,06
